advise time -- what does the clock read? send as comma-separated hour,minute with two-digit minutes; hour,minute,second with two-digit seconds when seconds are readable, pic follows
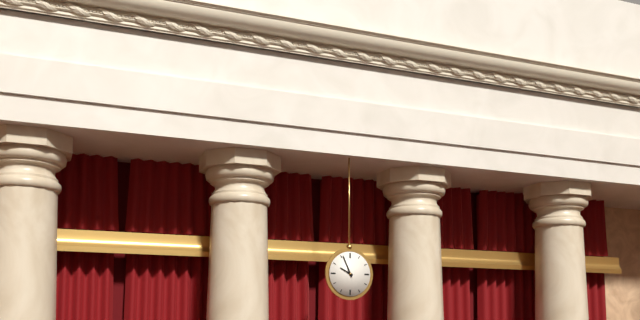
9,56
